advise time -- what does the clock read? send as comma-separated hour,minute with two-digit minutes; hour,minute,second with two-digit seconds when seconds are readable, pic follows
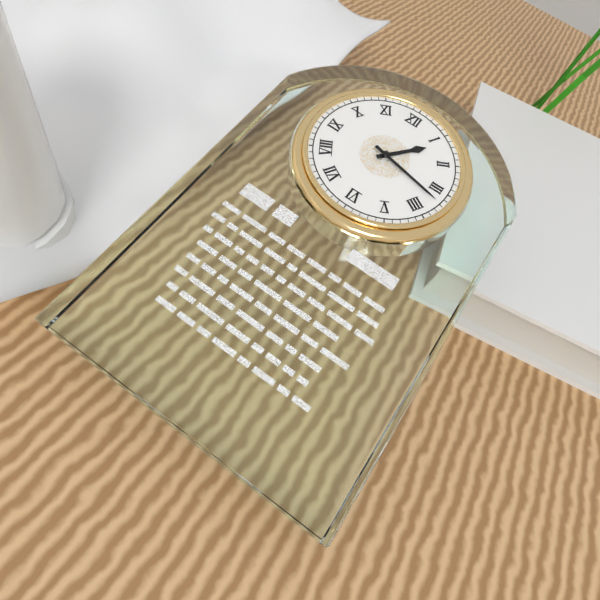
1,17
